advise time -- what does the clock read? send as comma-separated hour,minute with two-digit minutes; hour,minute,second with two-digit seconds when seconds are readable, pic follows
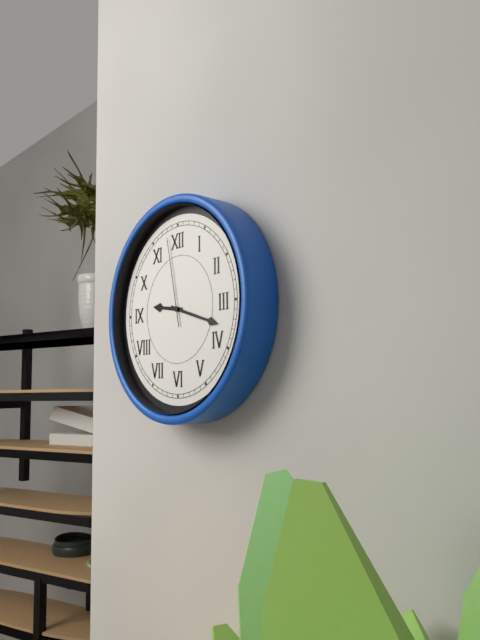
9,18,58
